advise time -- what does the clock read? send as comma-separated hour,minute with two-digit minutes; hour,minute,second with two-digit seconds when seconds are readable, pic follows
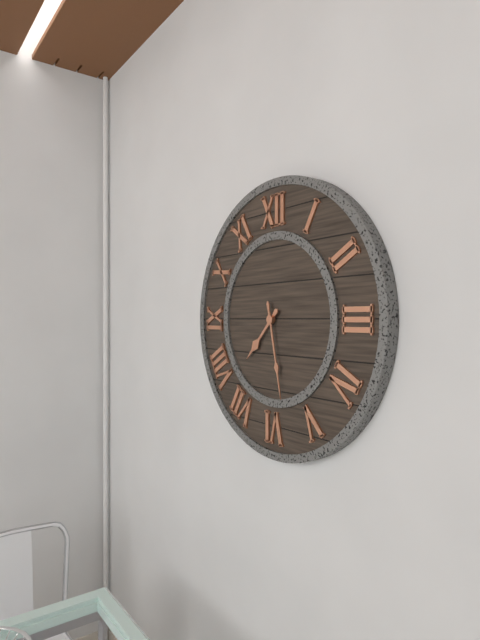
7,28
